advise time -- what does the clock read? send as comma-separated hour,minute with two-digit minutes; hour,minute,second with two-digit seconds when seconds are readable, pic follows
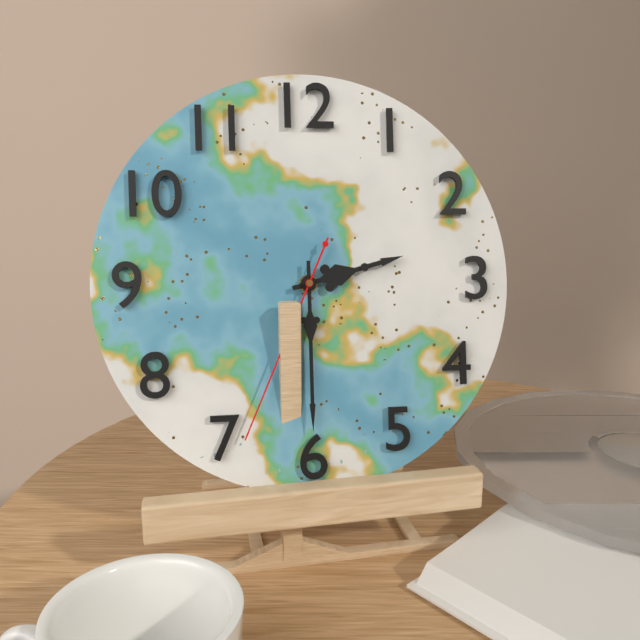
2,30,34
